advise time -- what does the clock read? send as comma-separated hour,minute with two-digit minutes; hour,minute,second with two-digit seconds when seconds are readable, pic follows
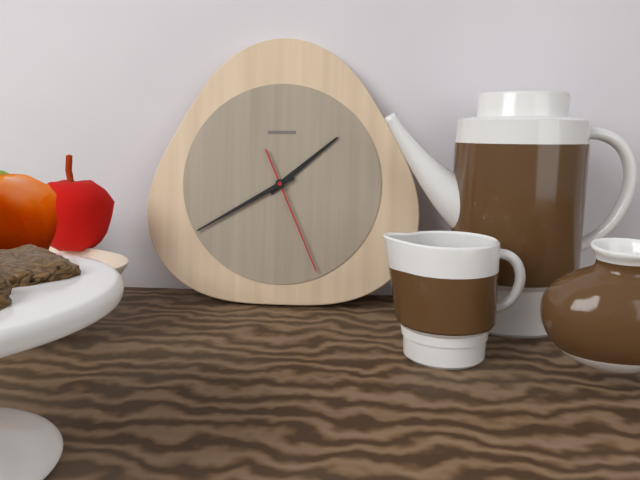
1,40,26
